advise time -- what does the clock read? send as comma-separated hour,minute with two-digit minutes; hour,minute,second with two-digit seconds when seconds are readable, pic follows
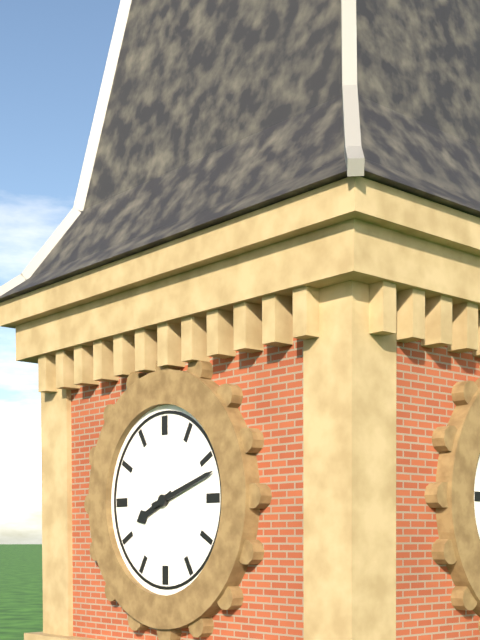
8,12
